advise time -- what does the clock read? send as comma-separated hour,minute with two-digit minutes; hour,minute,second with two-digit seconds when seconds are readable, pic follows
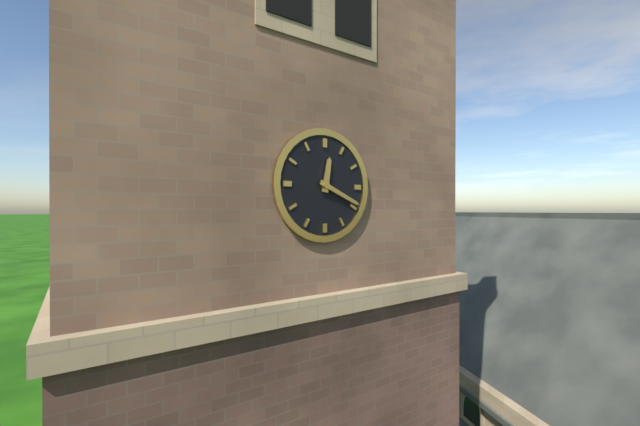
12,19
